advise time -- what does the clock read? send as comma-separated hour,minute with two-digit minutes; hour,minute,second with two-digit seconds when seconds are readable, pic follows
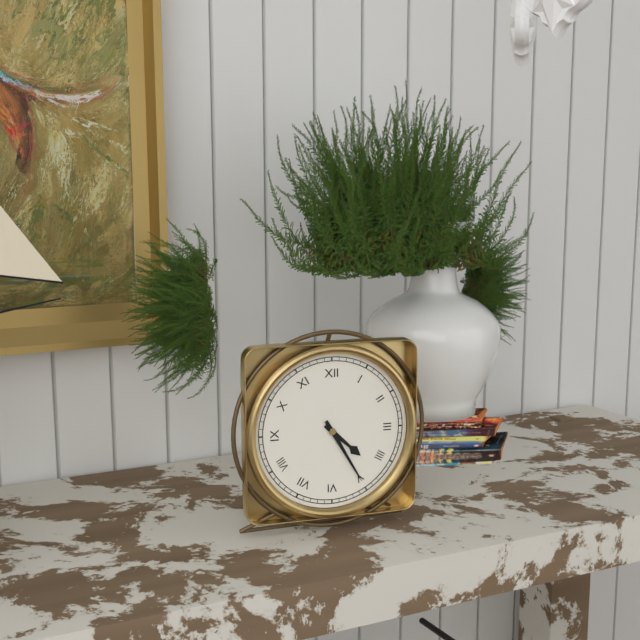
4,25
